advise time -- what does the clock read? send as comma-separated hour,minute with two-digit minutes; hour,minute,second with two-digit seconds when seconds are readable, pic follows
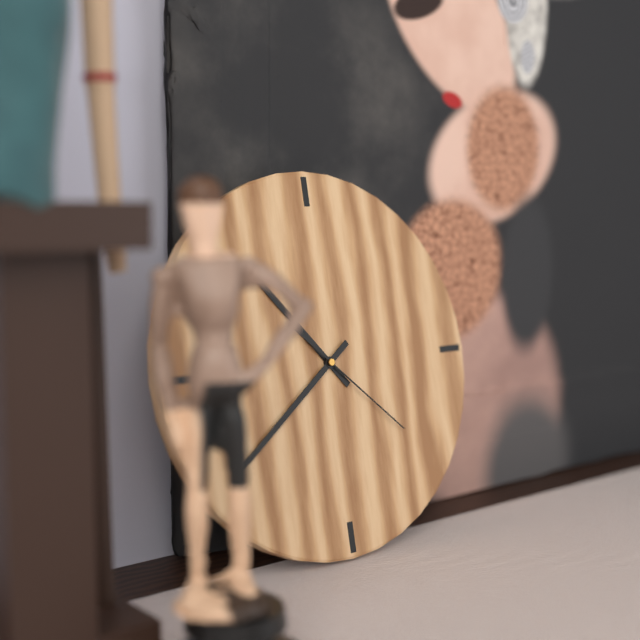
10,39,22
